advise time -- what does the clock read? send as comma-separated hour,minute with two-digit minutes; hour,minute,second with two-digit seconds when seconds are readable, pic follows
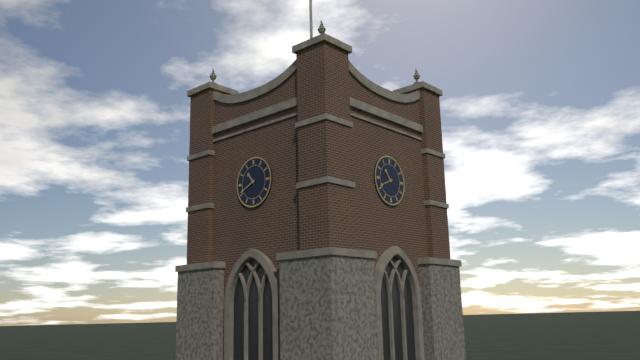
10,41
